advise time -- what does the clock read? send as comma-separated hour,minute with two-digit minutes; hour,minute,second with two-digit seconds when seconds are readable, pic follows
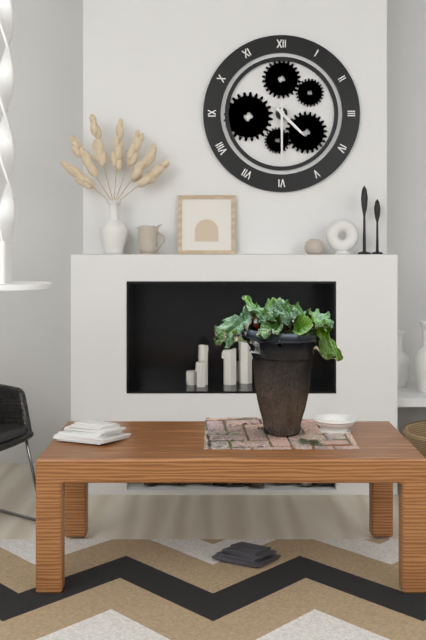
4,30
